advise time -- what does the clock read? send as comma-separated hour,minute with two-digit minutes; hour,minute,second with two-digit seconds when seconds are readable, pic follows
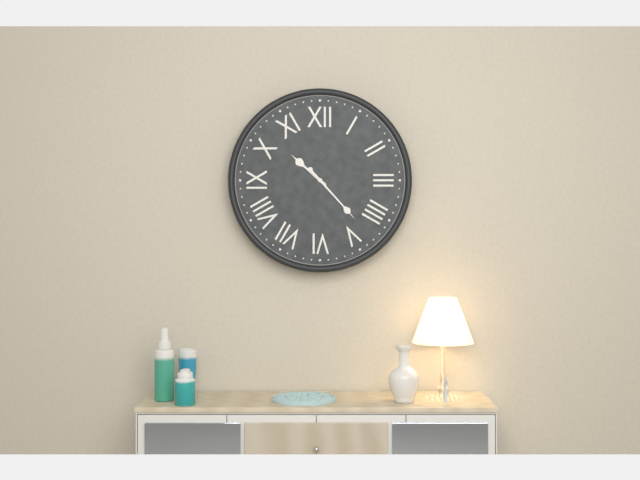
10,23
